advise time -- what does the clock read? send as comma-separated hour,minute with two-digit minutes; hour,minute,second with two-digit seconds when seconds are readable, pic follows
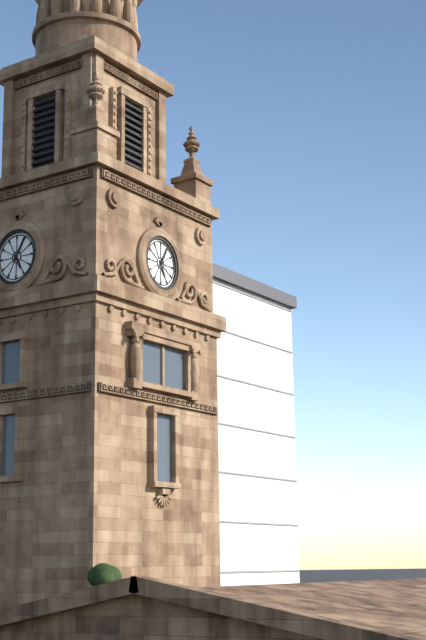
5,05
